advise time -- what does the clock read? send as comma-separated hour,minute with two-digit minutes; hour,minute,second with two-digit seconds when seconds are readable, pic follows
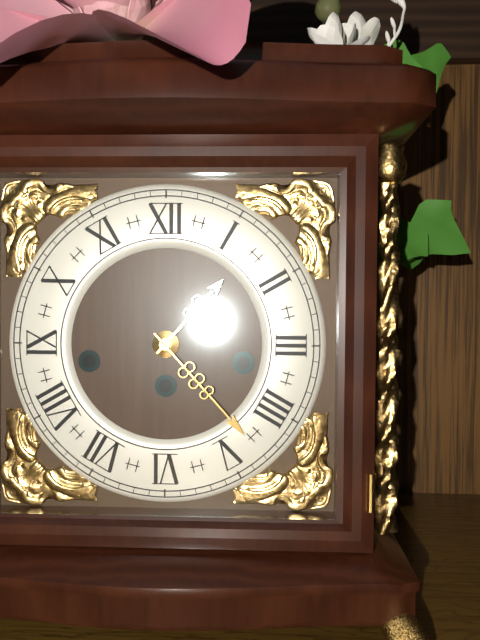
1,23
